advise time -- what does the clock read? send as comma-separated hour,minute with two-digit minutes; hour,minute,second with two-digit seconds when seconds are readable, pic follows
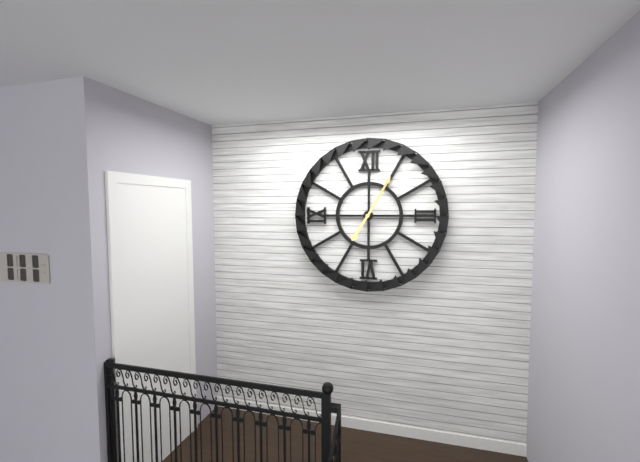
7,05
